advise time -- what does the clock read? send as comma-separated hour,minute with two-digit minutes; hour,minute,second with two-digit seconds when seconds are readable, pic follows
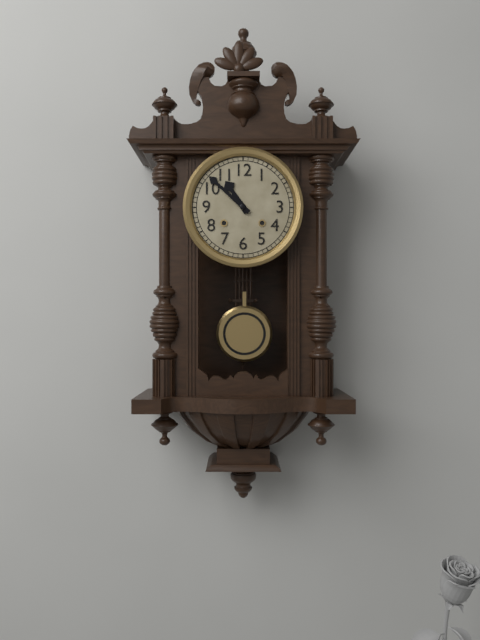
10,52
